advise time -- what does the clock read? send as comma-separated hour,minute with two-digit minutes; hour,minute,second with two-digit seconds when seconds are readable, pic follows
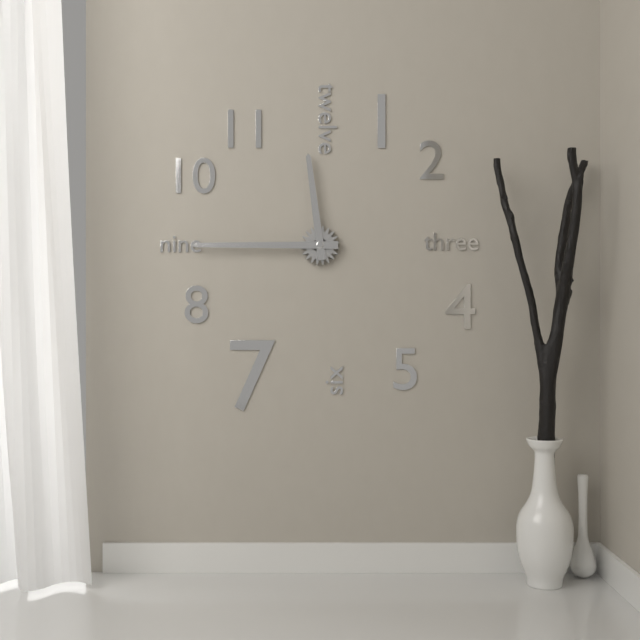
11,45
